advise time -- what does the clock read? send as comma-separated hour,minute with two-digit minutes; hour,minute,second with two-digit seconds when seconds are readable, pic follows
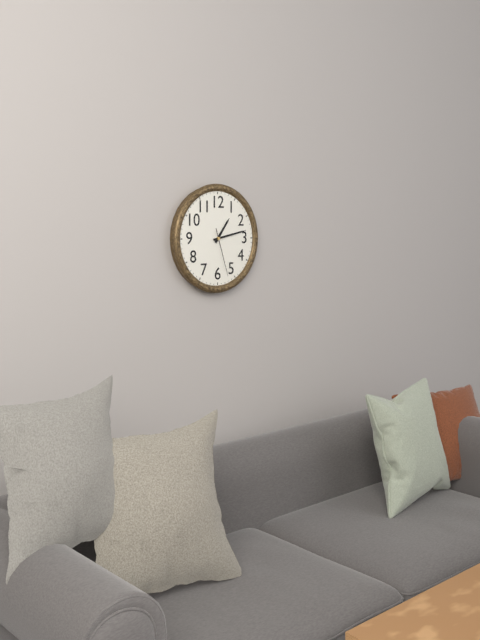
1,13
